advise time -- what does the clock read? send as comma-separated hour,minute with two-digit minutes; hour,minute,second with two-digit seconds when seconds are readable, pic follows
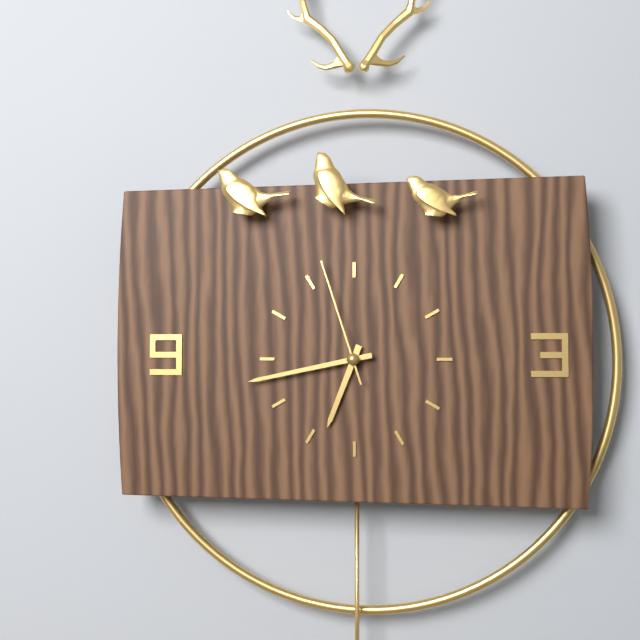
6,43,57
